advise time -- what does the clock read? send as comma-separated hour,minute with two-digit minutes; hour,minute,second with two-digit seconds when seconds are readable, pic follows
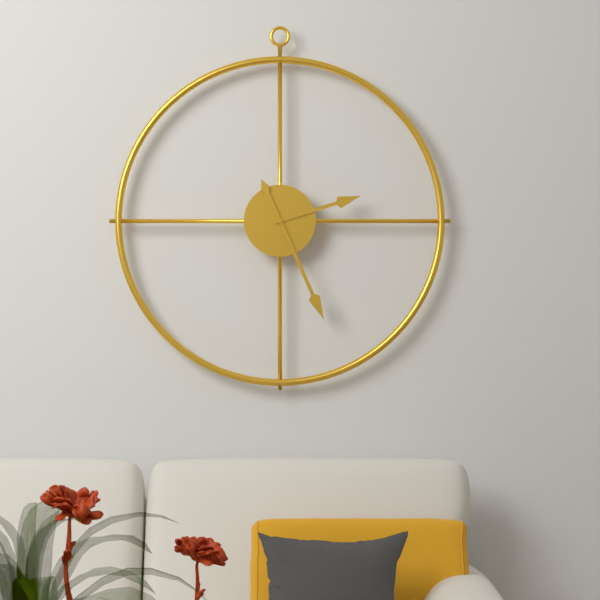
2,26
